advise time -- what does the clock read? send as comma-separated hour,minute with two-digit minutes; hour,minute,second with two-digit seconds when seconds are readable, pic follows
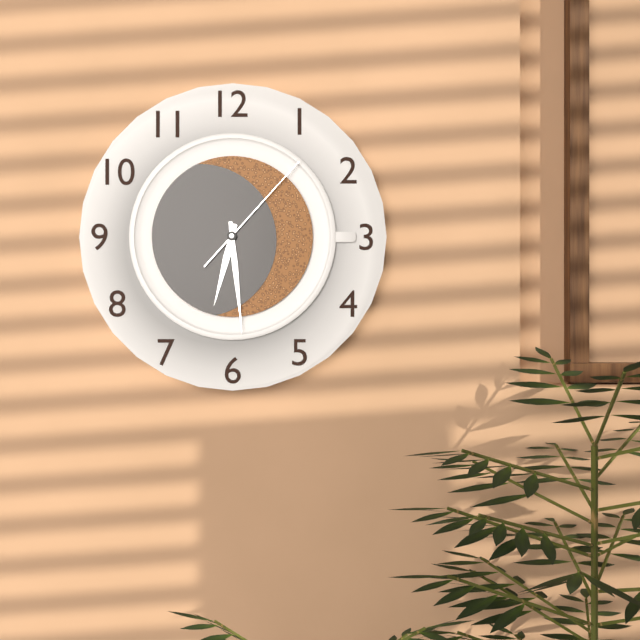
6,29,07
